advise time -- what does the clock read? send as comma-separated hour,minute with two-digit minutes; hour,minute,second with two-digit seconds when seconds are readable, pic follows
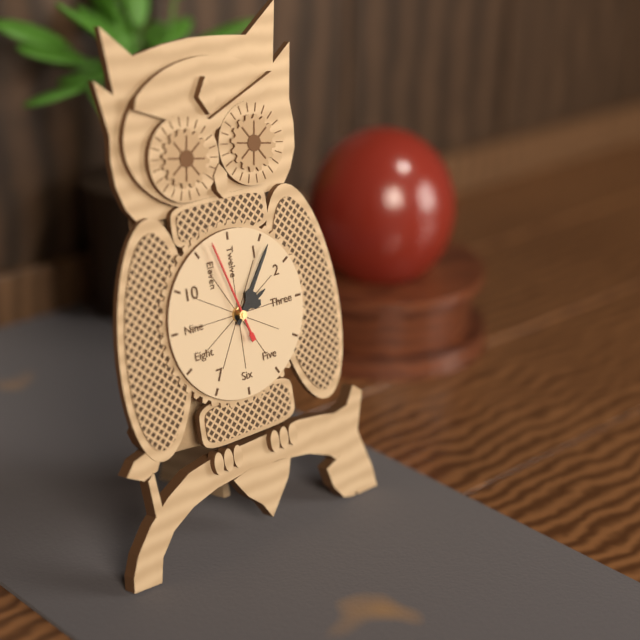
2,06,57
